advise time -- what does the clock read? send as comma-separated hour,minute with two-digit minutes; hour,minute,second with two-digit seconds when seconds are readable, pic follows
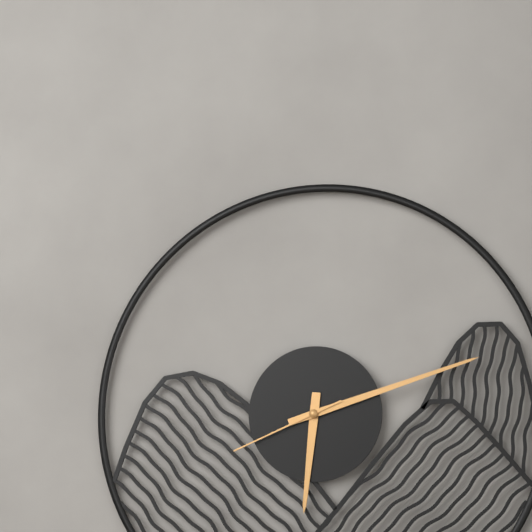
6,12,41
